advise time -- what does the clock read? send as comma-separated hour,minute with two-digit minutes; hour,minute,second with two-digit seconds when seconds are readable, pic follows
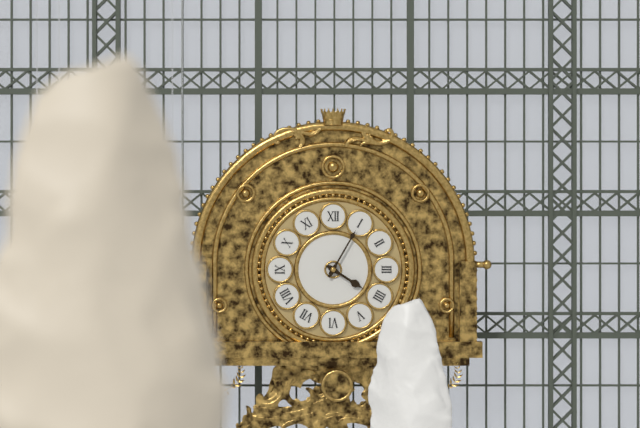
4,05
